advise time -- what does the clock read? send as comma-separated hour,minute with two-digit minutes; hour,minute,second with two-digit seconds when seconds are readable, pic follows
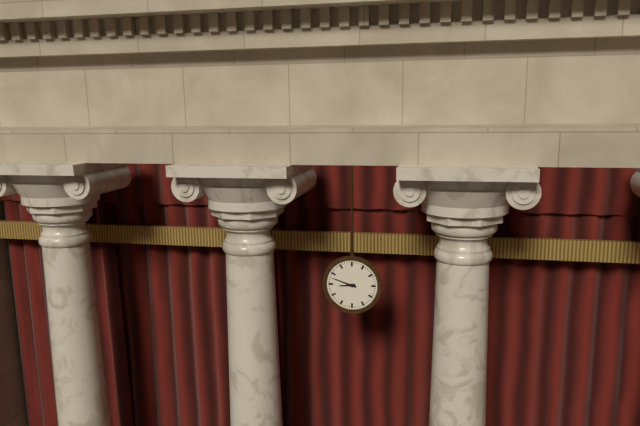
8,48
